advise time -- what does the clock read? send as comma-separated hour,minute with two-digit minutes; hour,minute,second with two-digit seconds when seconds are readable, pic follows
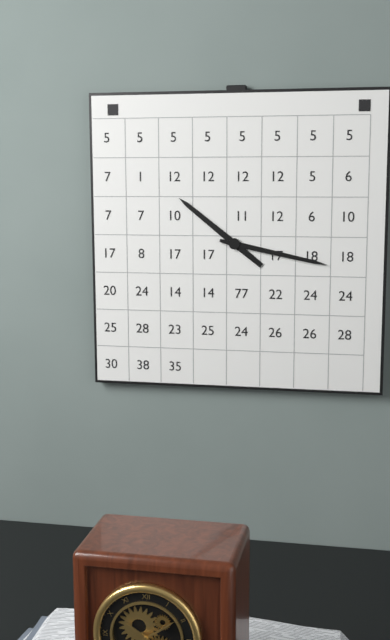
10,17
